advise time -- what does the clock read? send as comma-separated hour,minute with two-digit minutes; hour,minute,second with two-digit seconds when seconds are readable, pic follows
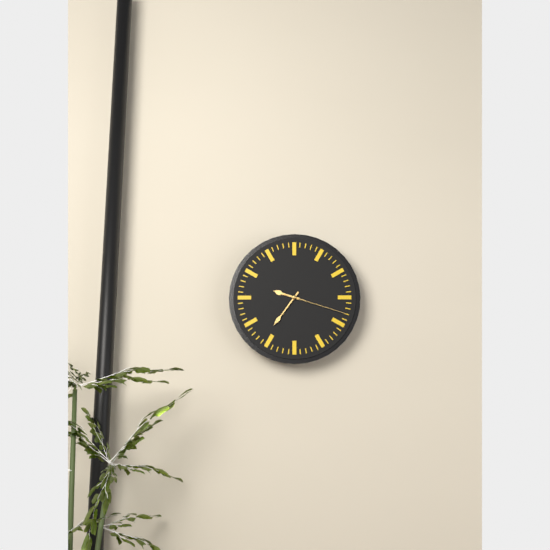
9,36,18
